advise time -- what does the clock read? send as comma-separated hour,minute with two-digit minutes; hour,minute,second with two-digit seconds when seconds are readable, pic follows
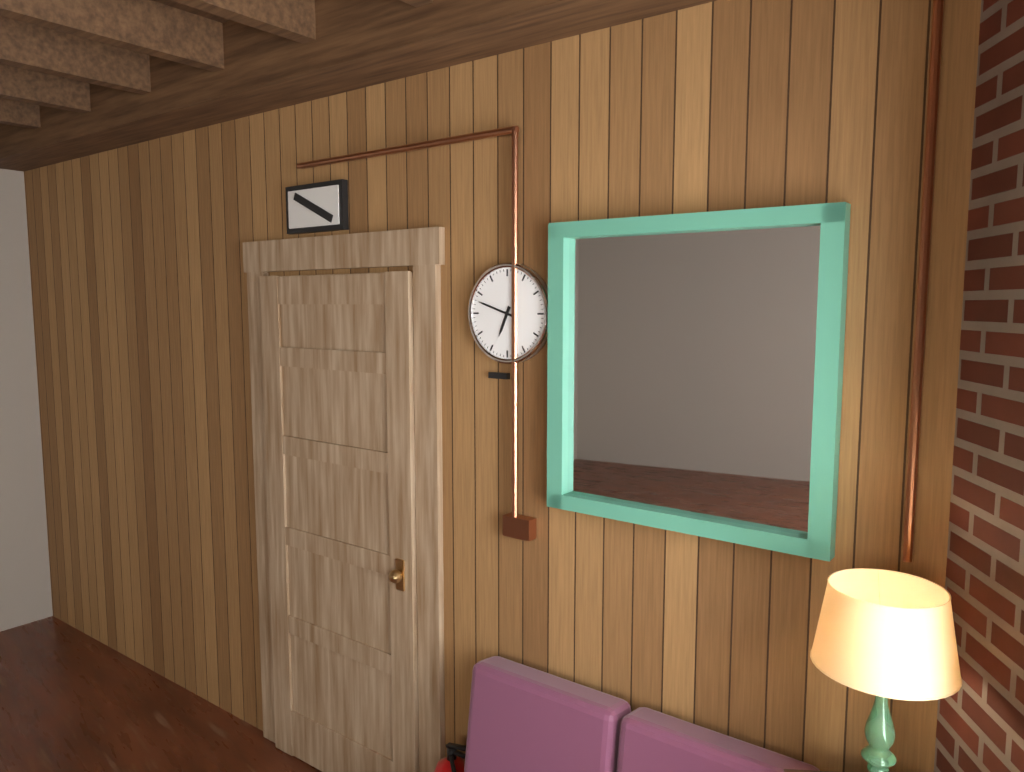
6,48
